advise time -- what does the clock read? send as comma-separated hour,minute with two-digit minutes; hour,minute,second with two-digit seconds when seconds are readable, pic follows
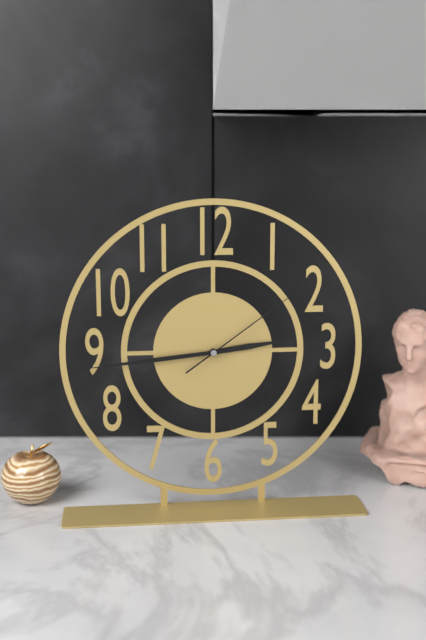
2,44,09
